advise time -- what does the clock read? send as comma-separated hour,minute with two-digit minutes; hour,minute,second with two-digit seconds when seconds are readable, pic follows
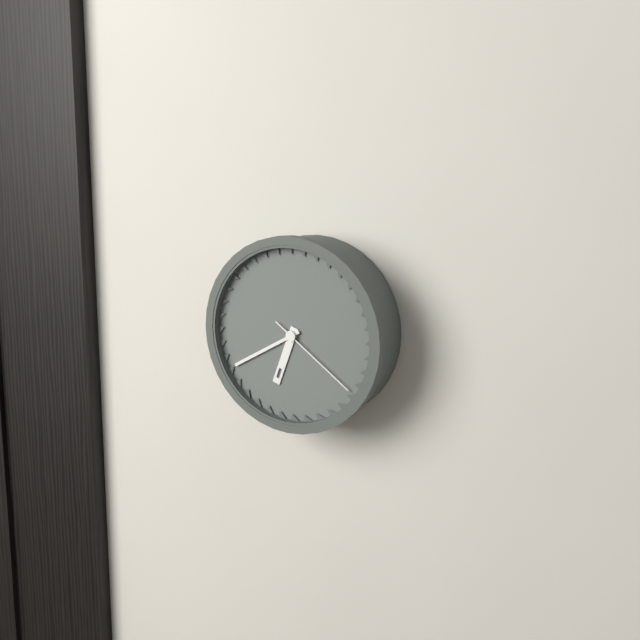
6,40,21
